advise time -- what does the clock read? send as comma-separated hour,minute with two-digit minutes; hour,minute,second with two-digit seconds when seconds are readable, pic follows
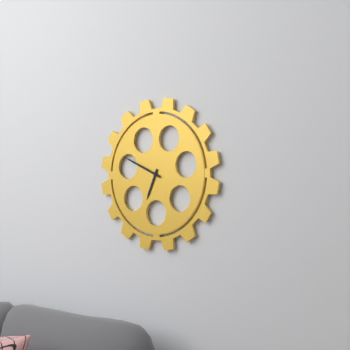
6,49
